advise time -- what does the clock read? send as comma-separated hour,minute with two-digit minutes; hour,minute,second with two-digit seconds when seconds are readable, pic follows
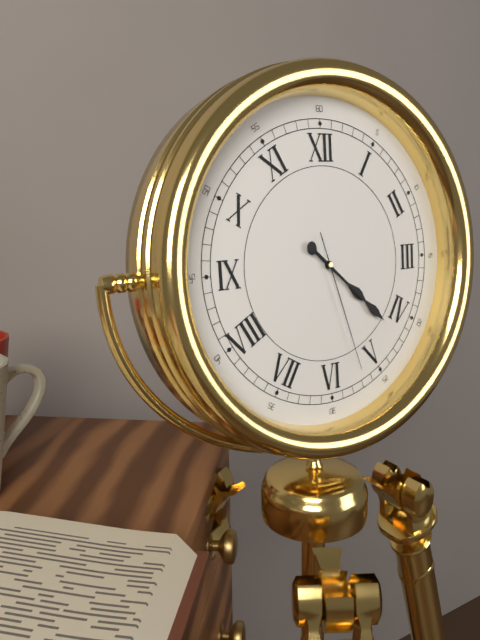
4,22,27
